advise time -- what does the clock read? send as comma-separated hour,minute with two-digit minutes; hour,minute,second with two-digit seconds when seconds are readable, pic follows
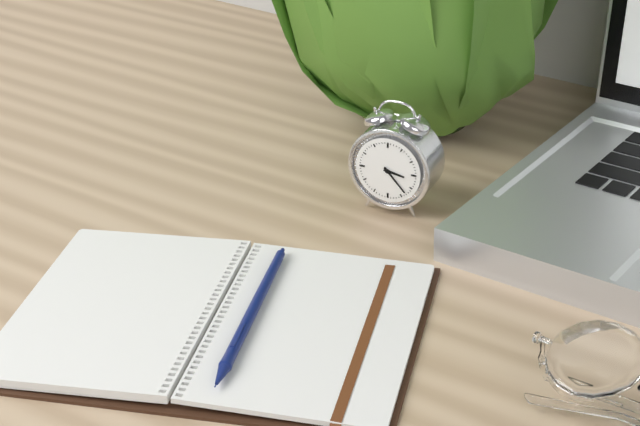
3,23
